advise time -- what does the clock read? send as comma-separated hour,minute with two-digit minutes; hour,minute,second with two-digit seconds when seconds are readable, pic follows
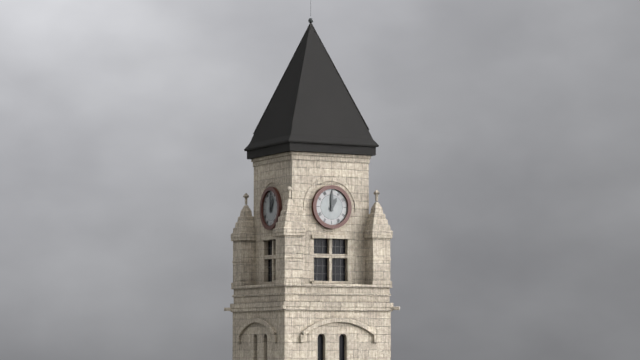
1,00
